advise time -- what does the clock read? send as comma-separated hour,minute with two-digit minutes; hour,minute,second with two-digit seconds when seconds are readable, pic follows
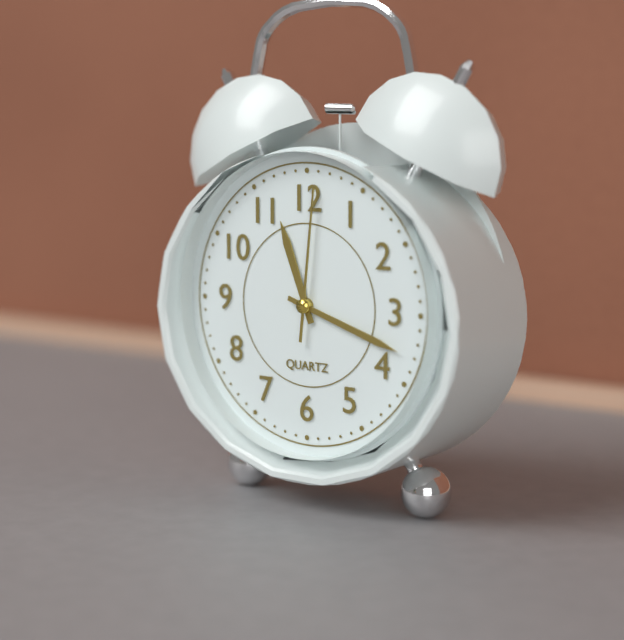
11,18,01
